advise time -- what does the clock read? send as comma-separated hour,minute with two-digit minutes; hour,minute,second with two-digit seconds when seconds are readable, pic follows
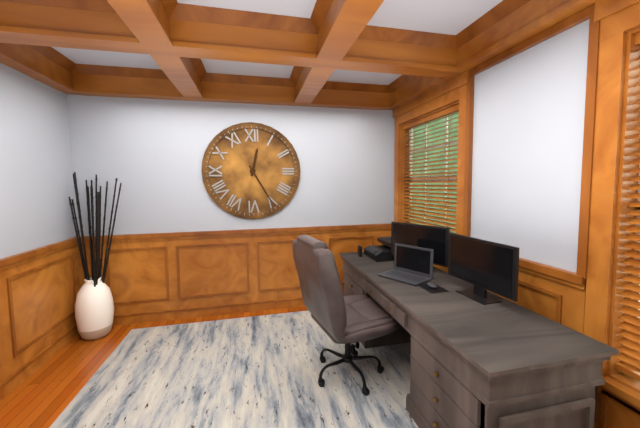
12,25
